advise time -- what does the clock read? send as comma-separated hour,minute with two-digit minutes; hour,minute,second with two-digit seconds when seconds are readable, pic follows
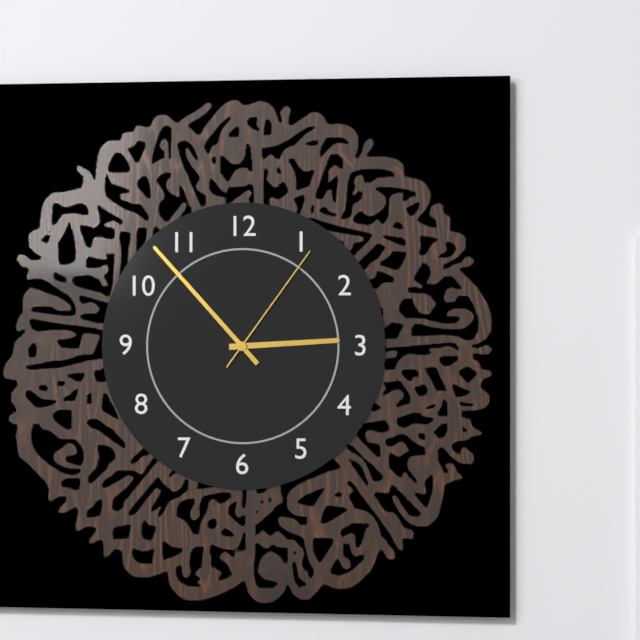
2,53,06
